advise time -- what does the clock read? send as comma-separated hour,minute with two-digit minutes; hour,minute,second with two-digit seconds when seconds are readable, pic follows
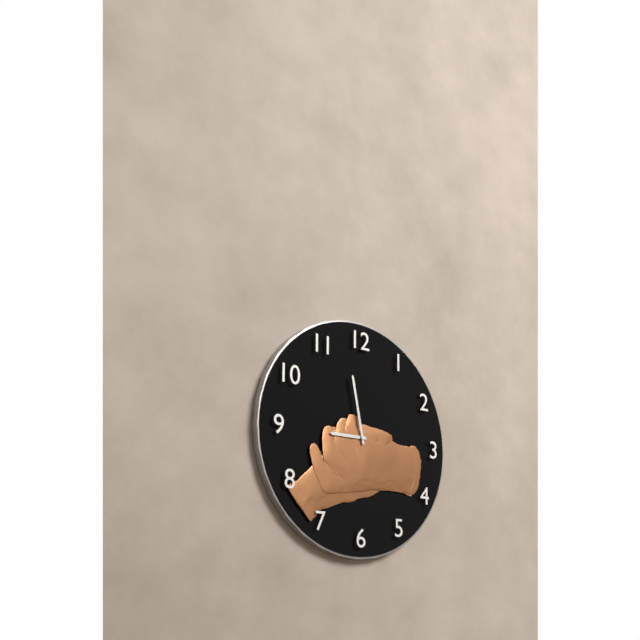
8,58
